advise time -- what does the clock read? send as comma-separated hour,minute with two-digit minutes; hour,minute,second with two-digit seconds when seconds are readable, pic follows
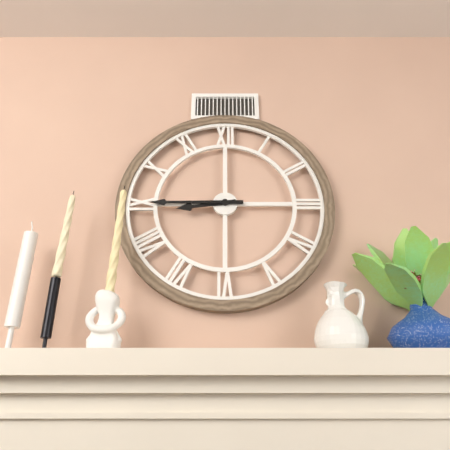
8,45
